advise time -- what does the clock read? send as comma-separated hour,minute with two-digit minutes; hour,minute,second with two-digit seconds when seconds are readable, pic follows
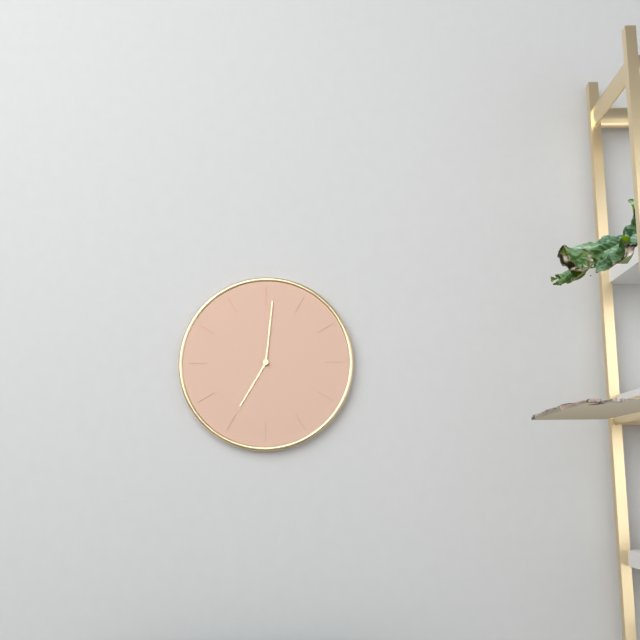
7,01
